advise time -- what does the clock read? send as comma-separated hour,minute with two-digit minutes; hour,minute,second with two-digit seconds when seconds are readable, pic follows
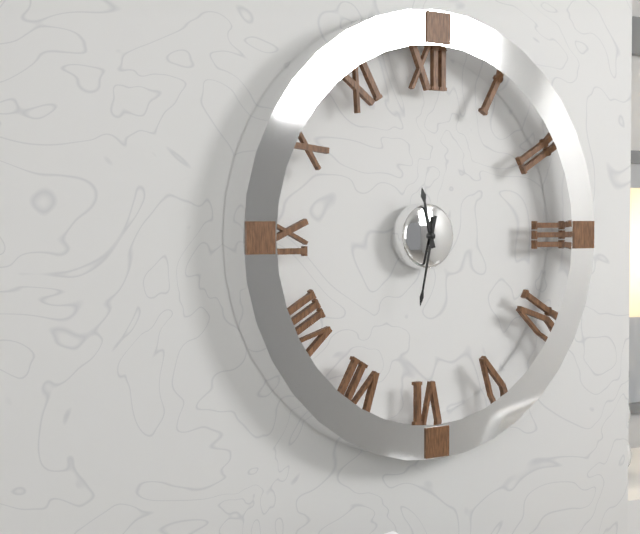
11,32
